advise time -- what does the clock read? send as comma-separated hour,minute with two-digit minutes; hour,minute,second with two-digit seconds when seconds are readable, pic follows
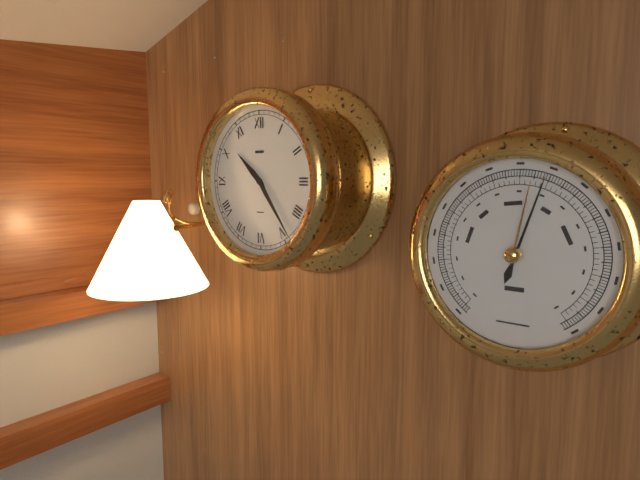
10,24
